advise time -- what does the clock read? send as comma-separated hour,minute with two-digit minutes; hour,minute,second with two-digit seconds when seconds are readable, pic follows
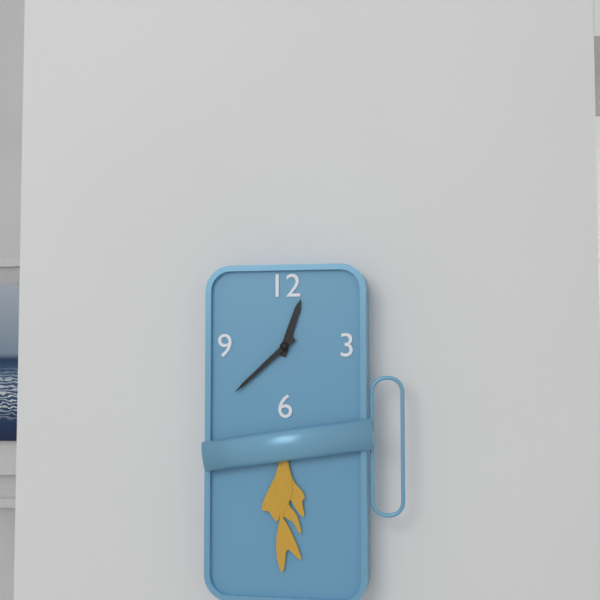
12,38
